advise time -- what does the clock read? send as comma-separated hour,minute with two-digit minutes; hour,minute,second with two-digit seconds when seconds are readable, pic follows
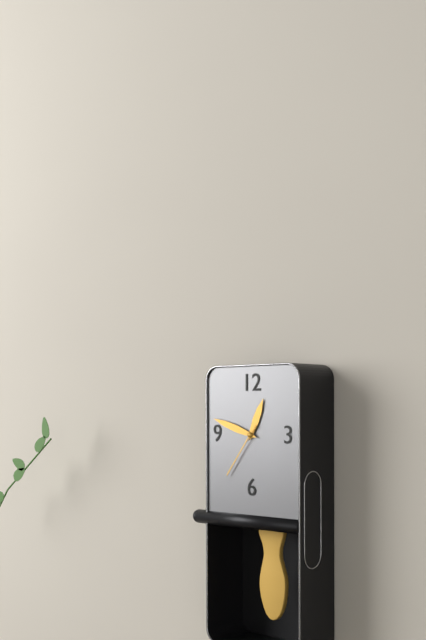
12,48,36
